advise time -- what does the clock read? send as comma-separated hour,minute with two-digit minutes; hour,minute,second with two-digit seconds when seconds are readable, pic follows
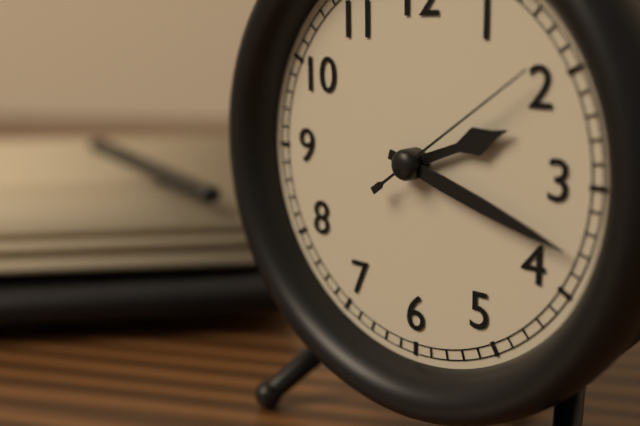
2,18,09
